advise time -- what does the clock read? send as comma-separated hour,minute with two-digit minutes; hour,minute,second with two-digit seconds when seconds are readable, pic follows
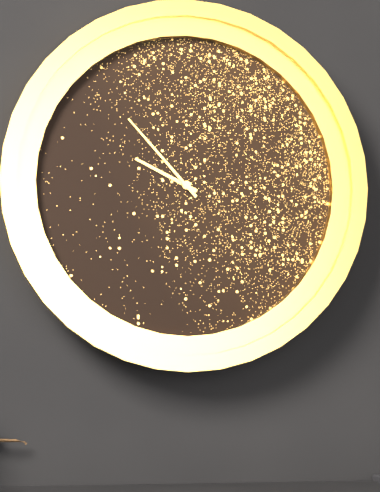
9,53
